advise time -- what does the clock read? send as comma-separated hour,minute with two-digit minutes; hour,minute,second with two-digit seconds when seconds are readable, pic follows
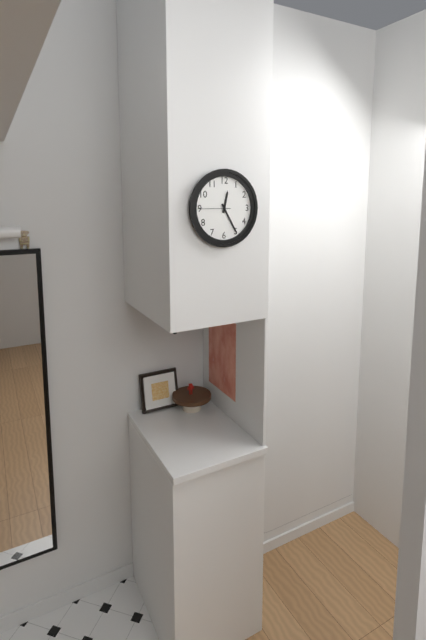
12,25
